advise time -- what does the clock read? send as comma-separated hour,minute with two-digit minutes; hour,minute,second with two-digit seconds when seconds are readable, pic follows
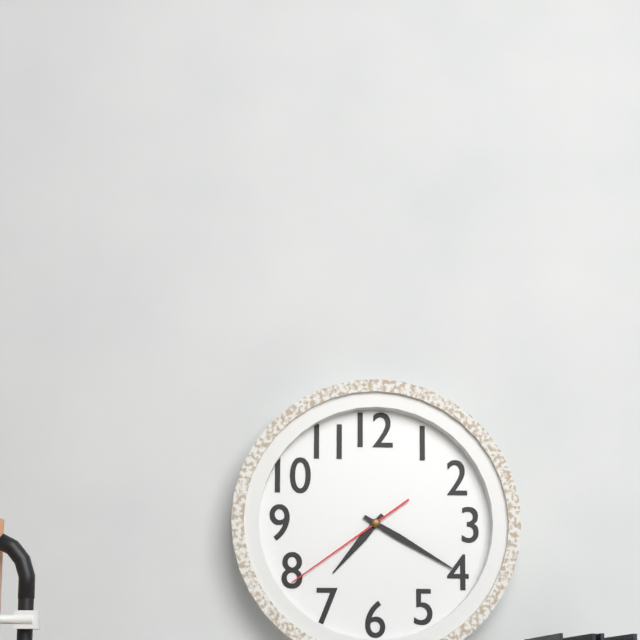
7,20,39
